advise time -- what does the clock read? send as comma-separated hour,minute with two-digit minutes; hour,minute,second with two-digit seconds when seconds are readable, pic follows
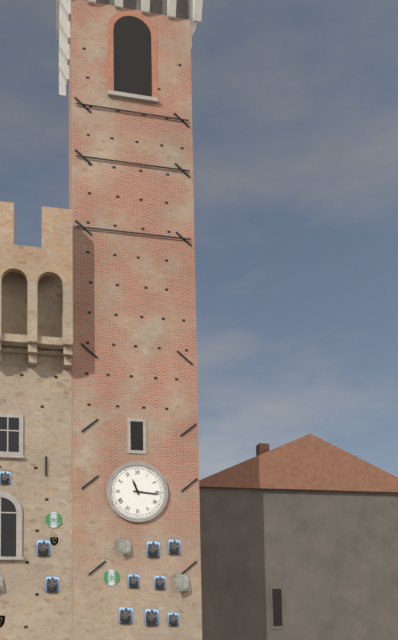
11,16
